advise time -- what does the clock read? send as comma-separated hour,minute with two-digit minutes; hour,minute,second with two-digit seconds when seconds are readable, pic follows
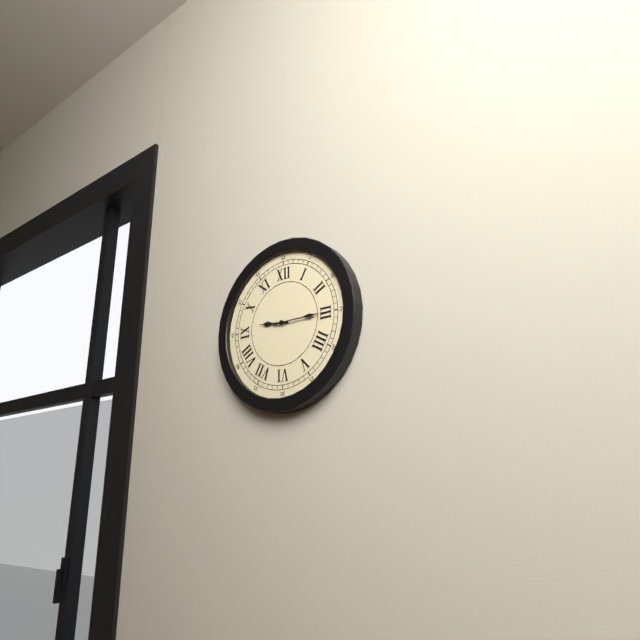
9,15
